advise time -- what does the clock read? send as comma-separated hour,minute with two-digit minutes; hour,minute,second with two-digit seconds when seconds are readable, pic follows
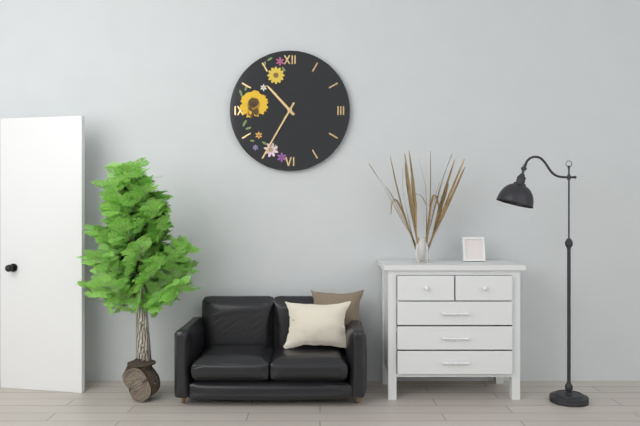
10,35
